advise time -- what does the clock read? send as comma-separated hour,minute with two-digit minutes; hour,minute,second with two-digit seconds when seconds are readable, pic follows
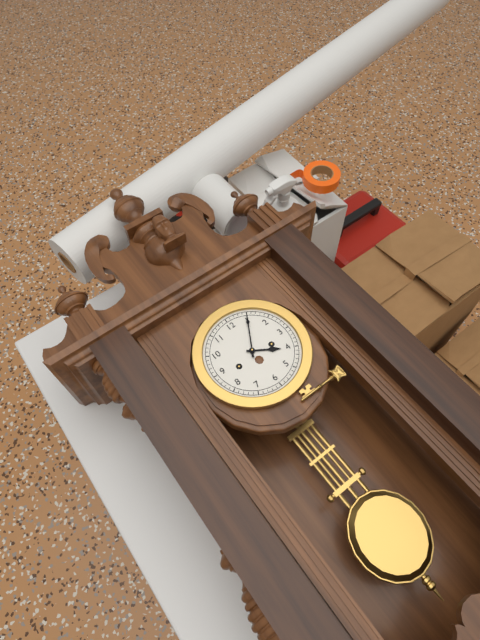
4,05
